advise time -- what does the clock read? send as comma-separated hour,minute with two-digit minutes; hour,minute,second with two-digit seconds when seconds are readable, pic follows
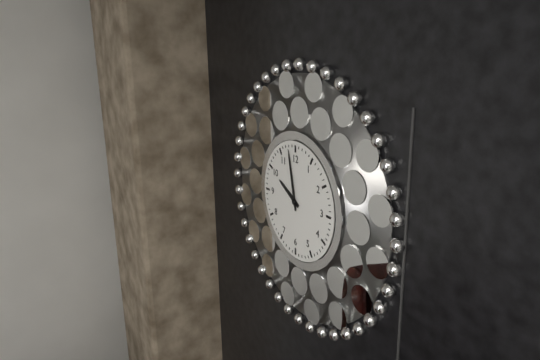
9,58
